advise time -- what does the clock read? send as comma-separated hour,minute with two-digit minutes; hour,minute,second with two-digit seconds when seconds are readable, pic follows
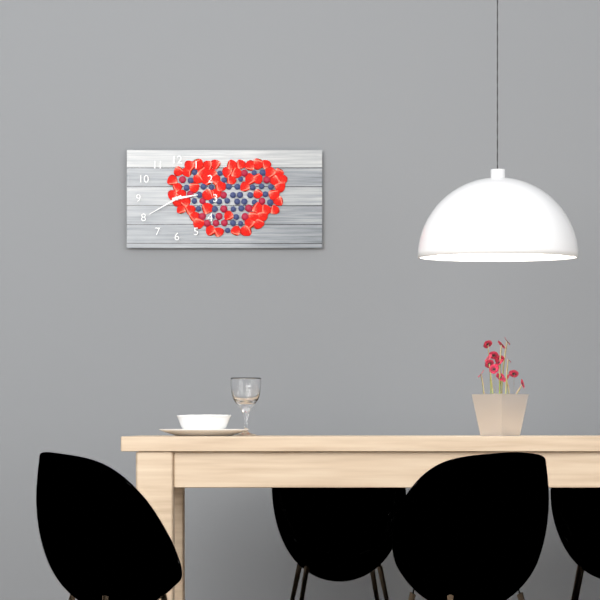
2,40
